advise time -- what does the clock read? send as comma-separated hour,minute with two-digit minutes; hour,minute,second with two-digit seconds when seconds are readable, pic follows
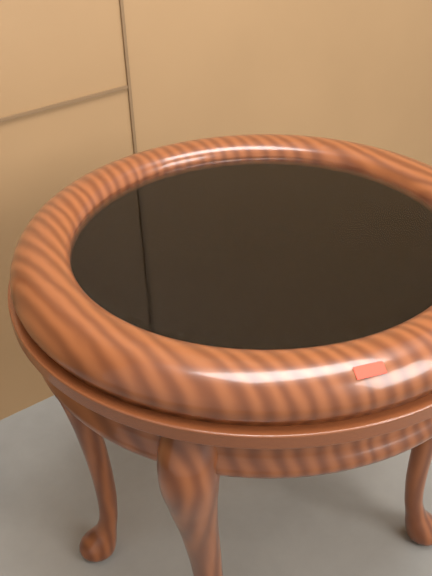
4,55
